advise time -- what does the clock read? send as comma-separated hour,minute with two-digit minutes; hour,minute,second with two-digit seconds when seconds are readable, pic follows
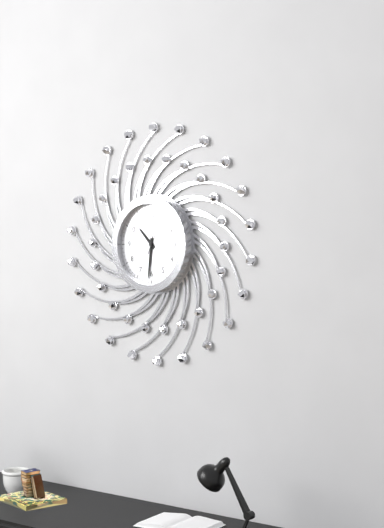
10,31
